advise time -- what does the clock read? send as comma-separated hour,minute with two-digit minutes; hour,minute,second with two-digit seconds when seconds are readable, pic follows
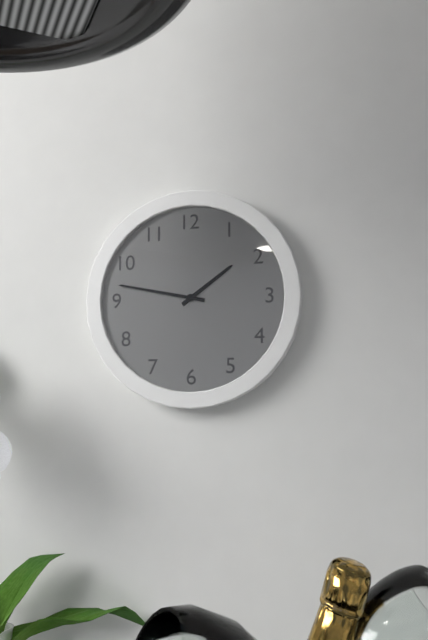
1,47
